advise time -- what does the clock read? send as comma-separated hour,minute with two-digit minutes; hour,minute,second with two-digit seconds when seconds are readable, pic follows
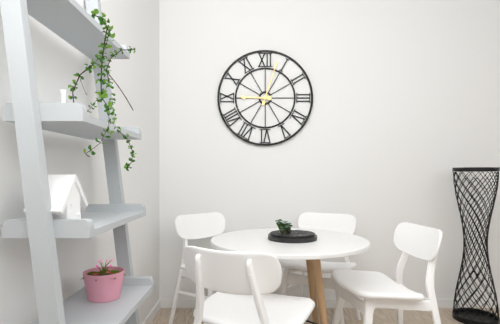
9,03
